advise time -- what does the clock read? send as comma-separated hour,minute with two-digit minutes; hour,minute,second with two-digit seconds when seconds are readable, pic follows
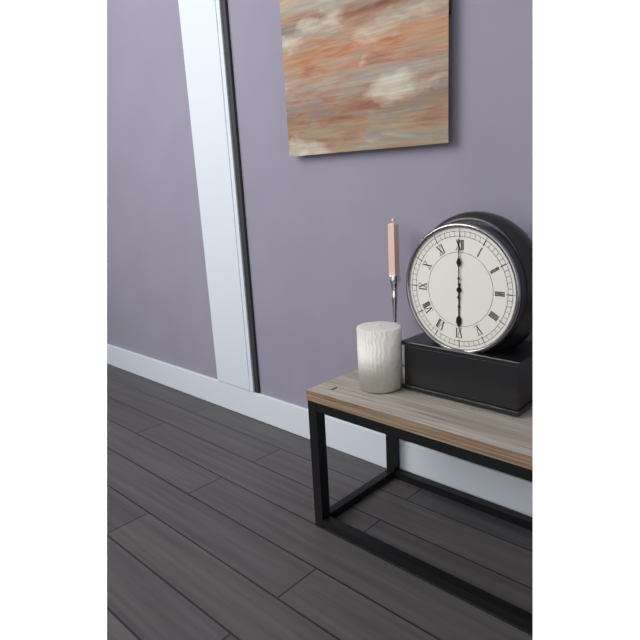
6,00
